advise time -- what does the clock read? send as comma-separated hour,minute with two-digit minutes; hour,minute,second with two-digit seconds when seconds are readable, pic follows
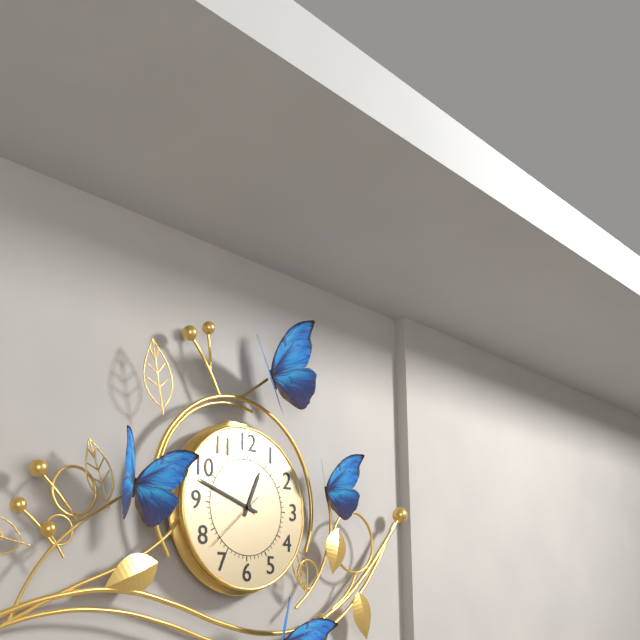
12,48,38
